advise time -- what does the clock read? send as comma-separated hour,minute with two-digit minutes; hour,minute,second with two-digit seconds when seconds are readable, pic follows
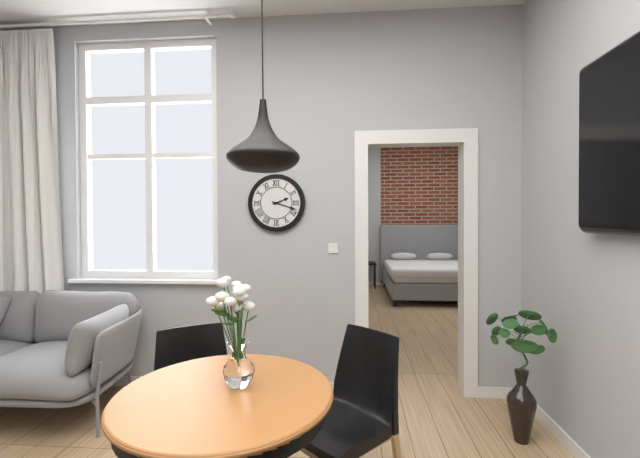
2,18
